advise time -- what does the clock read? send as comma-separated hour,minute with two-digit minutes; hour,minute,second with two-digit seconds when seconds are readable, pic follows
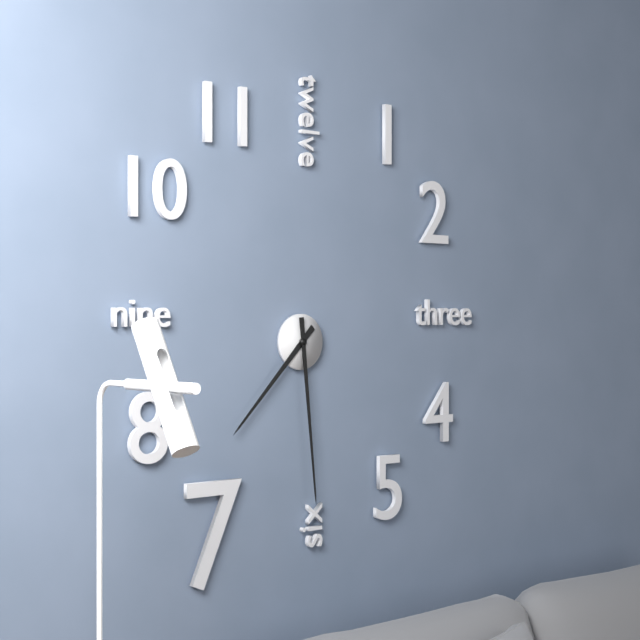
7,29
